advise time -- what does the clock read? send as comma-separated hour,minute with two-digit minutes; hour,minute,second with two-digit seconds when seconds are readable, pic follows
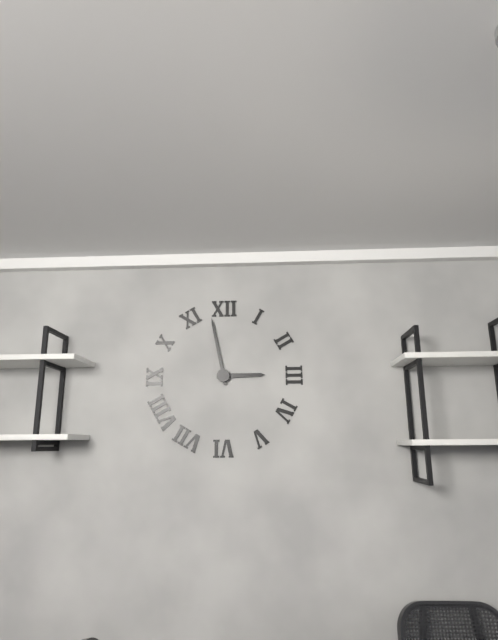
2,58
